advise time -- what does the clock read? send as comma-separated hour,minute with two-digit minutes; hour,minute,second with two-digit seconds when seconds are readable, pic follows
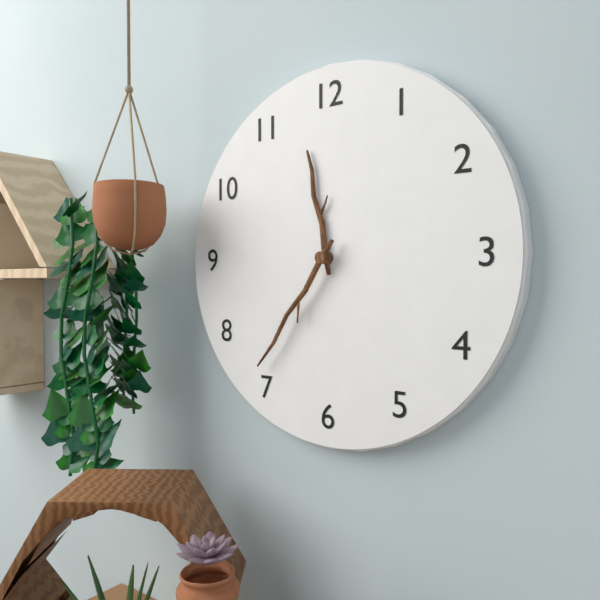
11,36
